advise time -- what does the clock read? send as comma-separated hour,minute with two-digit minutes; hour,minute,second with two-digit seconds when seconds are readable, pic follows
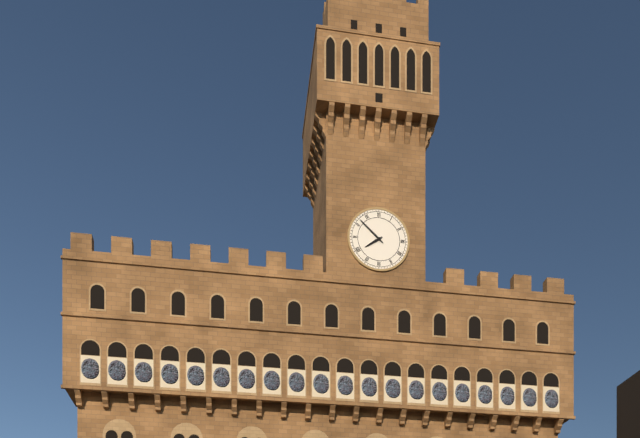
7,52
